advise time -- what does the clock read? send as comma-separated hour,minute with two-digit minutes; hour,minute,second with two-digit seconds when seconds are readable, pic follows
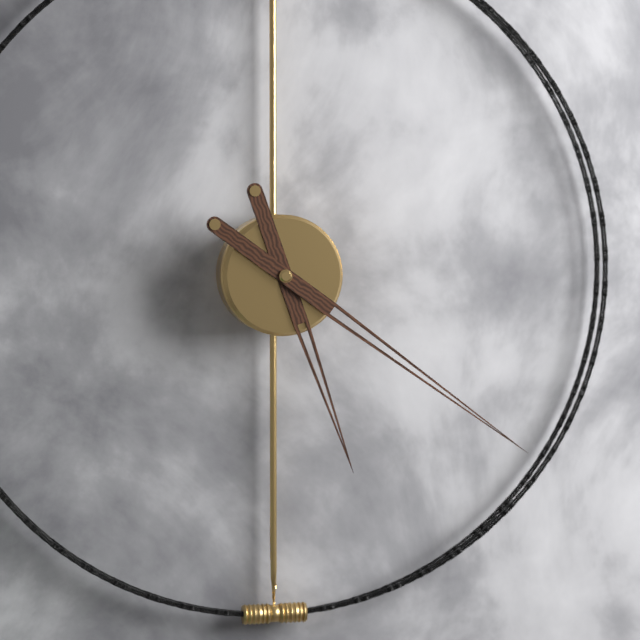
5,21
